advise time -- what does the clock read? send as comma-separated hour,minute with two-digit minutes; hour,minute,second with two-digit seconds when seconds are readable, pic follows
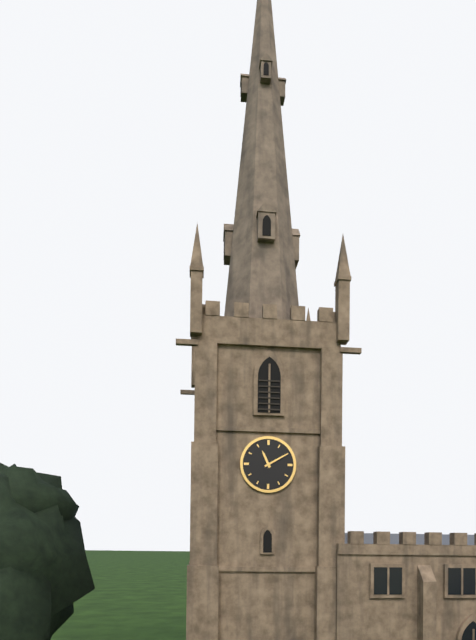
11,10
